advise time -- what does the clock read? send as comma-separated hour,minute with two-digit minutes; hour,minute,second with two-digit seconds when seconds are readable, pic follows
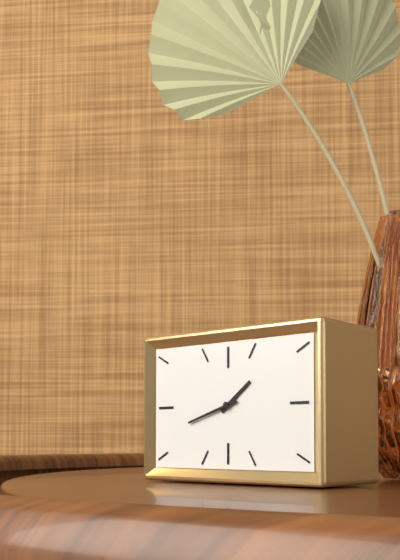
1,42
